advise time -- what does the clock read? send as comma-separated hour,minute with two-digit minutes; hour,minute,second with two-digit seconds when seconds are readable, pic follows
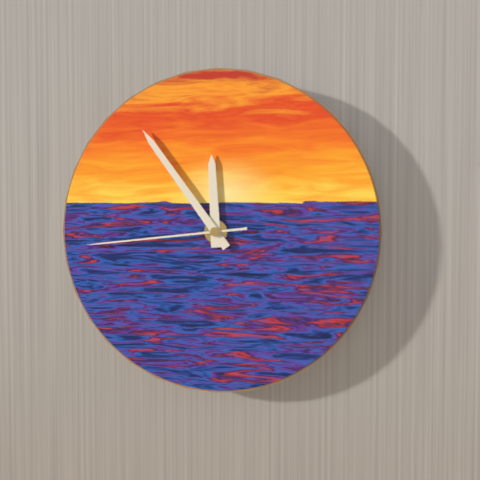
11,54,44
